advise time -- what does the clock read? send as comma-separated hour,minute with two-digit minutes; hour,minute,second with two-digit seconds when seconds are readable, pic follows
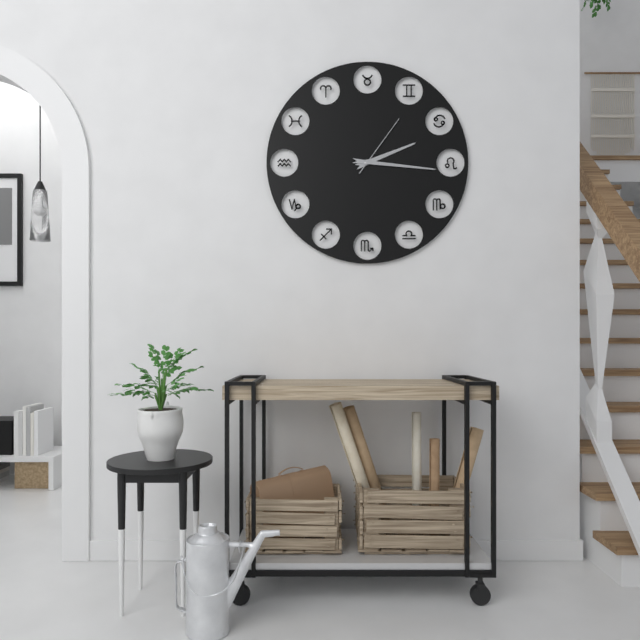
2,16,06
